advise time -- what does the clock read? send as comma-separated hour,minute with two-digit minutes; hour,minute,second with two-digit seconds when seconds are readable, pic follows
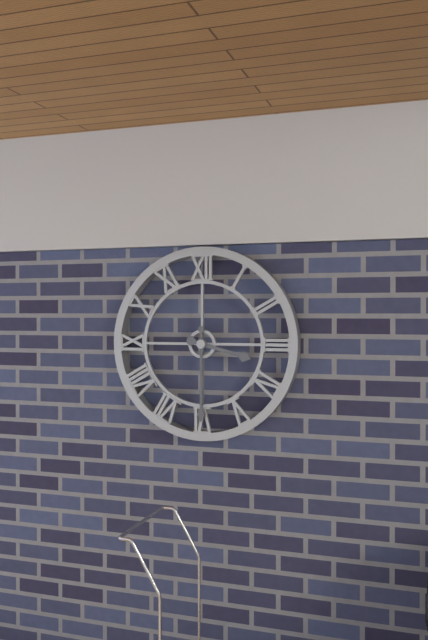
3,30
